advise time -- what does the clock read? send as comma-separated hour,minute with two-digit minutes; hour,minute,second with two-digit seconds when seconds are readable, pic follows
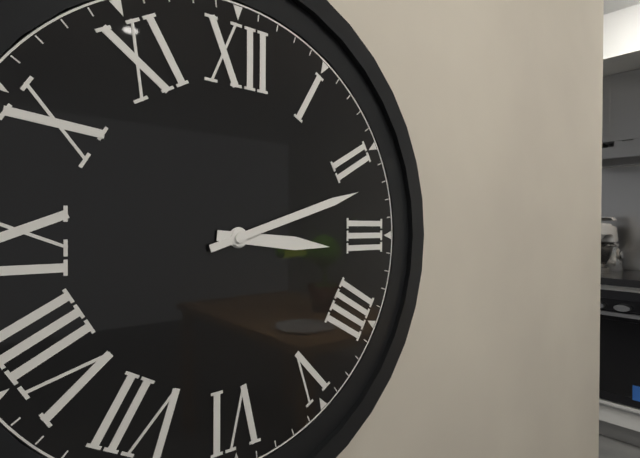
3,12
